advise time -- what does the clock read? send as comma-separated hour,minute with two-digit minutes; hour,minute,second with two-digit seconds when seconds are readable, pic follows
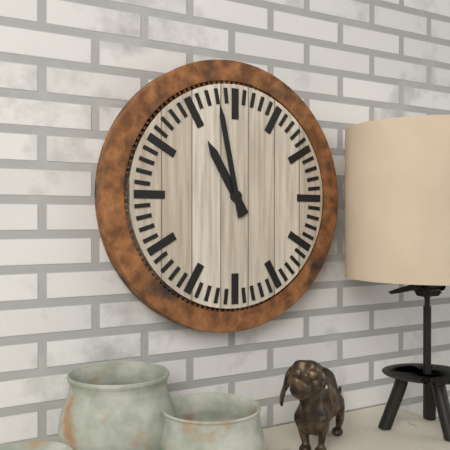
10,58
